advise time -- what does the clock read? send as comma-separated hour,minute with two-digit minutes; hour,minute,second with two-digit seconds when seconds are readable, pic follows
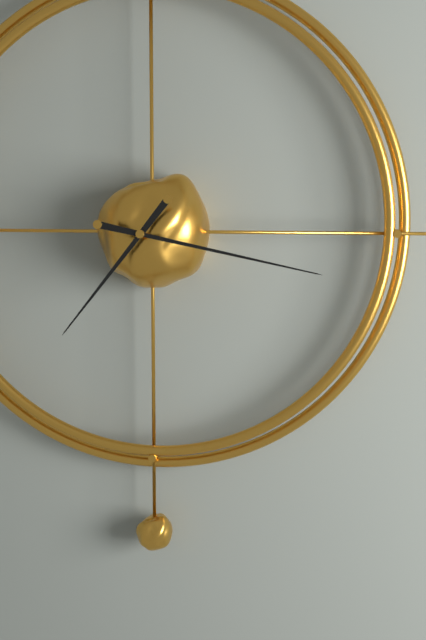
7,17
